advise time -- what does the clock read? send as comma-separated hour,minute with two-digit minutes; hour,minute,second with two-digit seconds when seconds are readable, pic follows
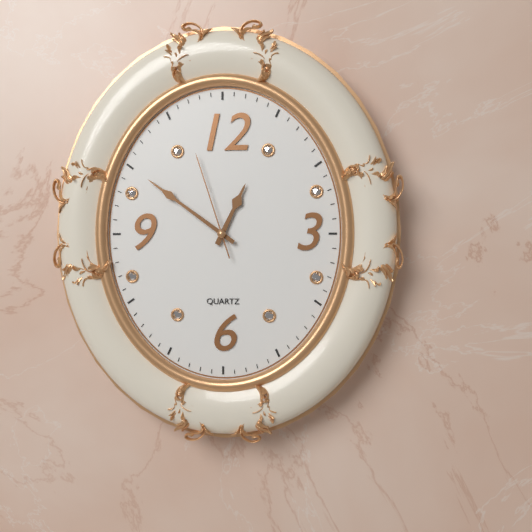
12,51,57
